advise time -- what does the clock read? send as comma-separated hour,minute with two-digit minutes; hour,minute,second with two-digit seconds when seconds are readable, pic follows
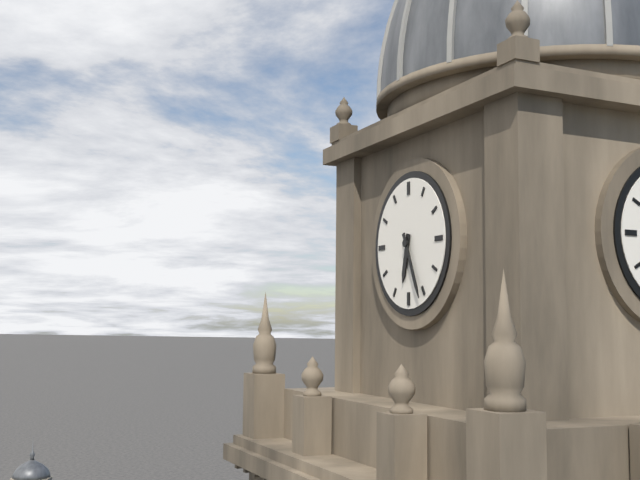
6,26
